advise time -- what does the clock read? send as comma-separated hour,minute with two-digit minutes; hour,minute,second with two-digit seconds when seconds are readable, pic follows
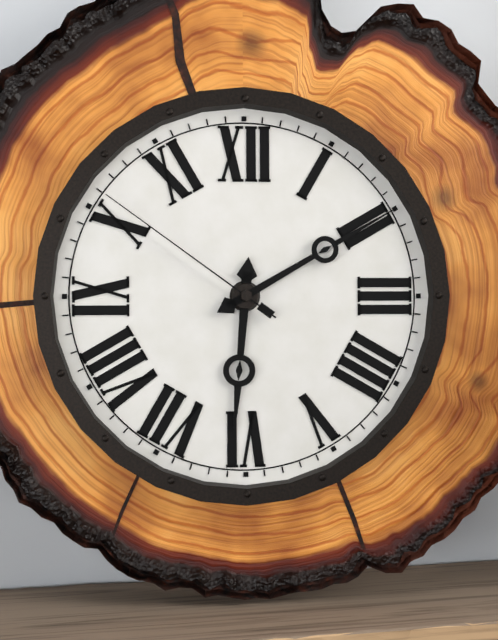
6,10,51
